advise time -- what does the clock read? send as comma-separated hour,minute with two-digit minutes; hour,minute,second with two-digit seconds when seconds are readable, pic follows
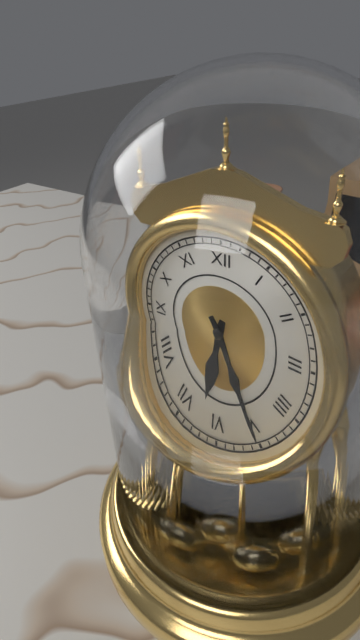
6,25
